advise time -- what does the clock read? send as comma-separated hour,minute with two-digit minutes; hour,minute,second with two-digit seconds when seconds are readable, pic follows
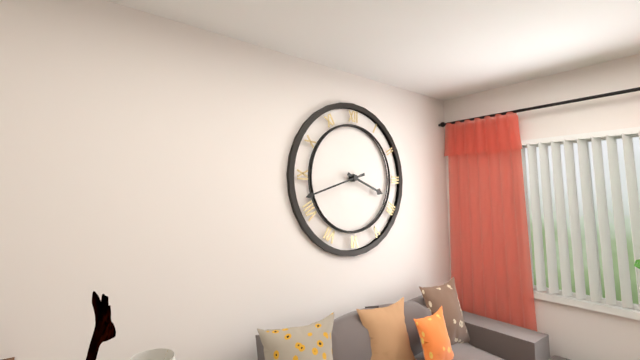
3,42
